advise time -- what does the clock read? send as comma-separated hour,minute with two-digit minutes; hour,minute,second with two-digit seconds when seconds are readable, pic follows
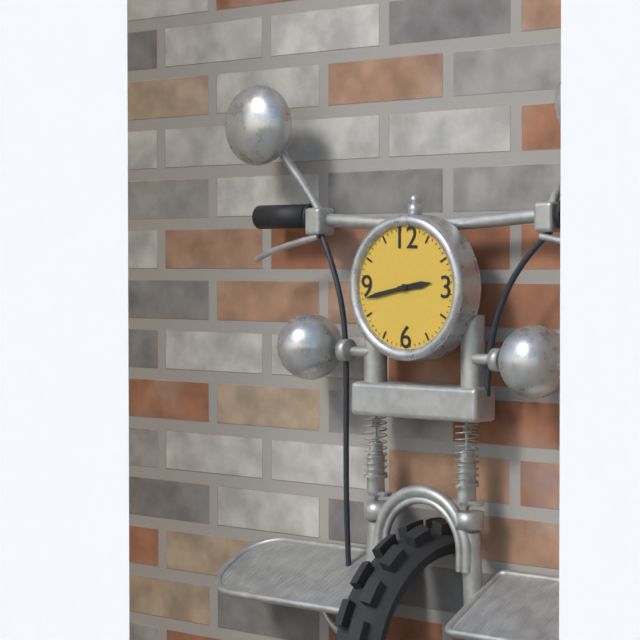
2,43
